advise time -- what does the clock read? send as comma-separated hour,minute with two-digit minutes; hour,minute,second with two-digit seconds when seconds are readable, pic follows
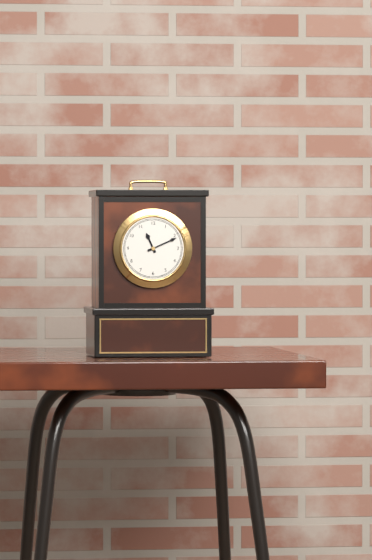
11,11
